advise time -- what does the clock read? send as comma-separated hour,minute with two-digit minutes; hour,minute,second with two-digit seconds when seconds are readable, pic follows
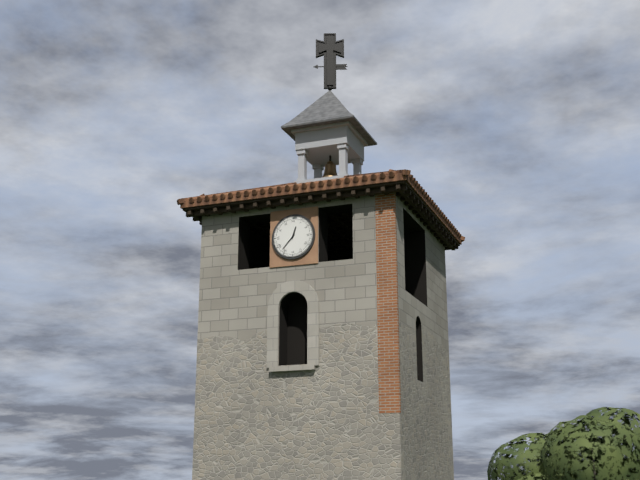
12,37
